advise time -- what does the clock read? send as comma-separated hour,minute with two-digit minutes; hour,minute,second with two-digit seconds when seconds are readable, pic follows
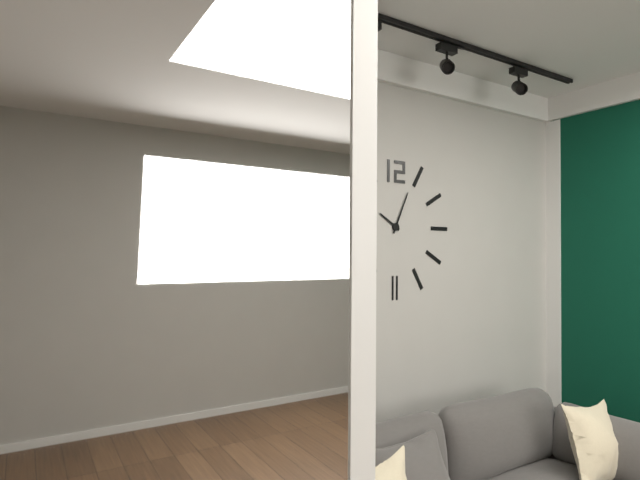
10,04
